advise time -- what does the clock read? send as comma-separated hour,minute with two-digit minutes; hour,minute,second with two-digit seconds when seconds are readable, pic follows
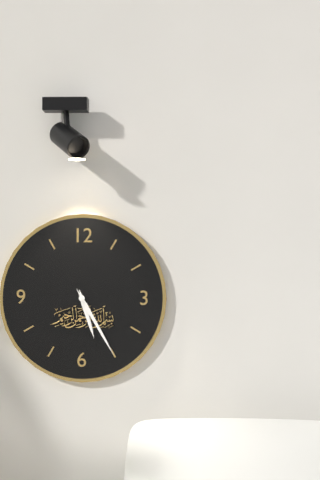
5,25
